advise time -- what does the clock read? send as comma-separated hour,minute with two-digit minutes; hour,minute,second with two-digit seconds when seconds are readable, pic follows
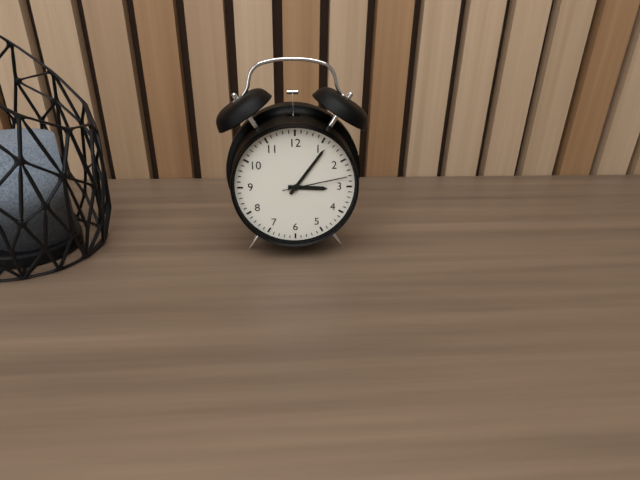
3,06,13
